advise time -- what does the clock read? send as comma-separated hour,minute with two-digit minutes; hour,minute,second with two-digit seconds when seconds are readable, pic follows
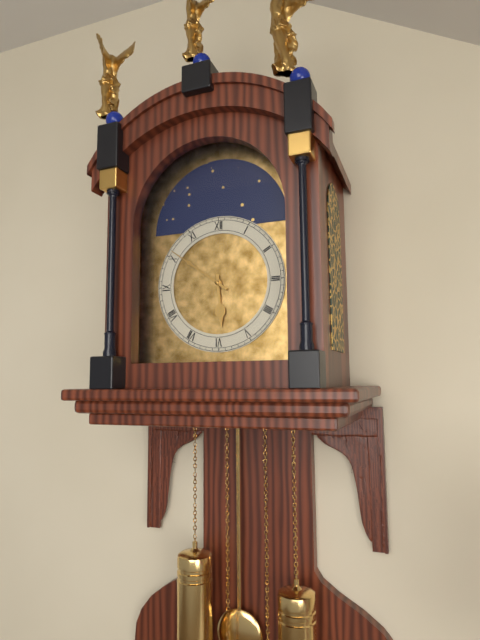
5,51
